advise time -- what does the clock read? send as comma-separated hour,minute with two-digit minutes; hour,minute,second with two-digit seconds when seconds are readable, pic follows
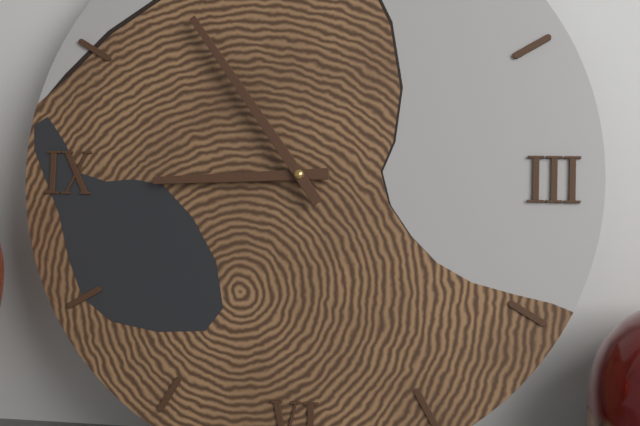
8,54
